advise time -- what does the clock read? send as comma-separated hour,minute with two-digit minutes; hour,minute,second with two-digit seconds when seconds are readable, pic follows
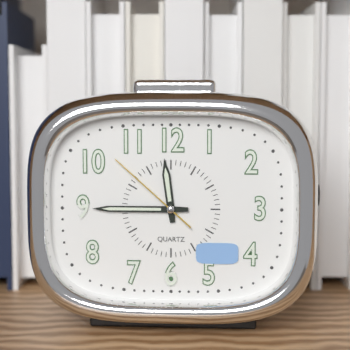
11,45,52
